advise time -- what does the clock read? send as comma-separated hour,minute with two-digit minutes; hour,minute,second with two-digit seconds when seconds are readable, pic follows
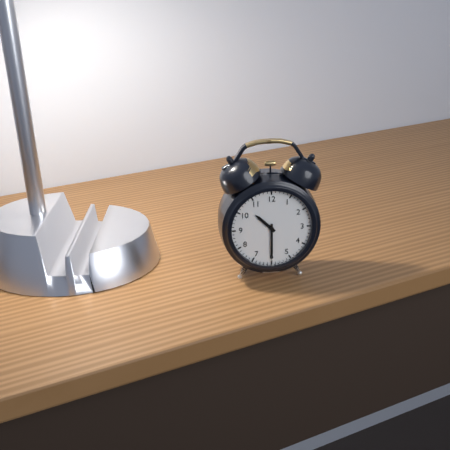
10,30
